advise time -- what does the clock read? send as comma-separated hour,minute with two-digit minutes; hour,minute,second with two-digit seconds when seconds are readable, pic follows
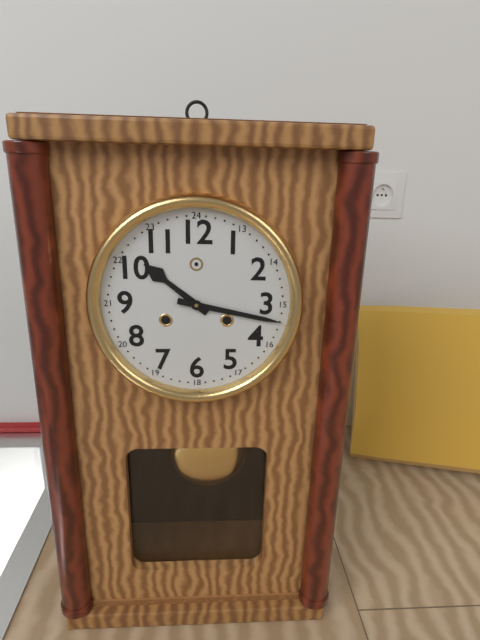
10,17
